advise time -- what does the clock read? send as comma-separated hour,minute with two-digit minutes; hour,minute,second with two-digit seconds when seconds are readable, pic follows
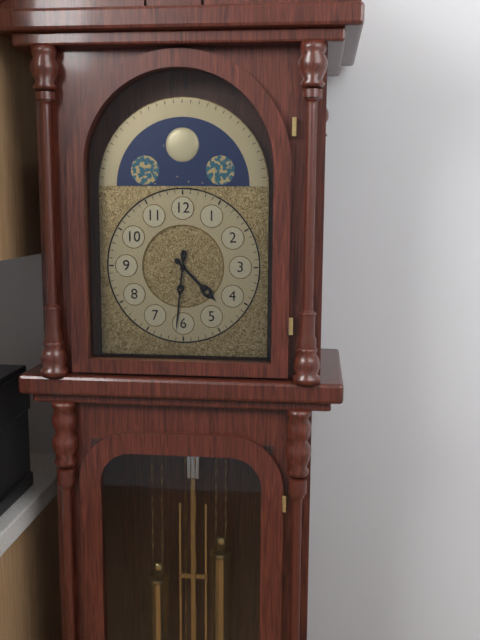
4,31
